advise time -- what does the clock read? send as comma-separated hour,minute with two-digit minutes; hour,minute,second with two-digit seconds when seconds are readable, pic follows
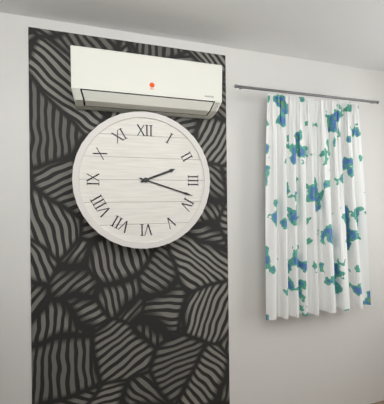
2,18
